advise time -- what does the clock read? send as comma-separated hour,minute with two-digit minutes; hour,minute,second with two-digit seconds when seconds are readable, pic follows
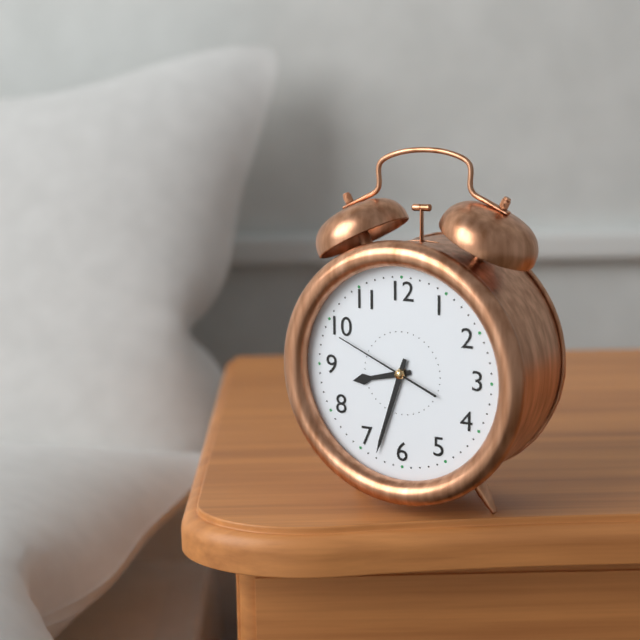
8,33,49
